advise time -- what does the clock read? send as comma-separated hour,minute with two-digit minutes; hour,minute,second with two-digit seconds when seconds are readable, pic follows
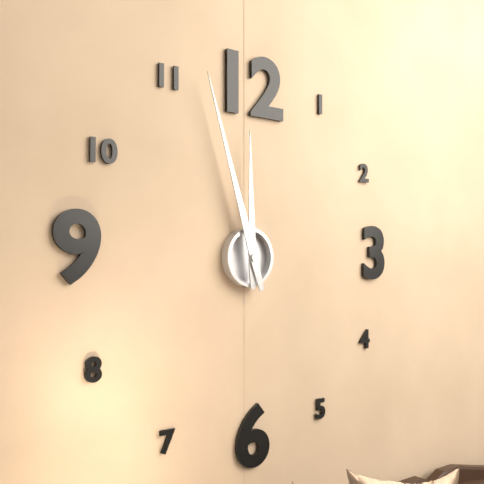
11,57
